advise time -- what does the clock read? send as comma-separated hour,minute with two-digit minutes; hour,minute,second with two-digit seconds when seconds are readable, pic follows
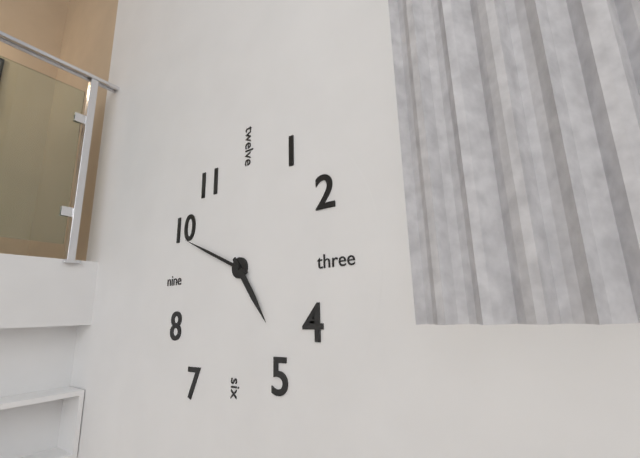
4,49
